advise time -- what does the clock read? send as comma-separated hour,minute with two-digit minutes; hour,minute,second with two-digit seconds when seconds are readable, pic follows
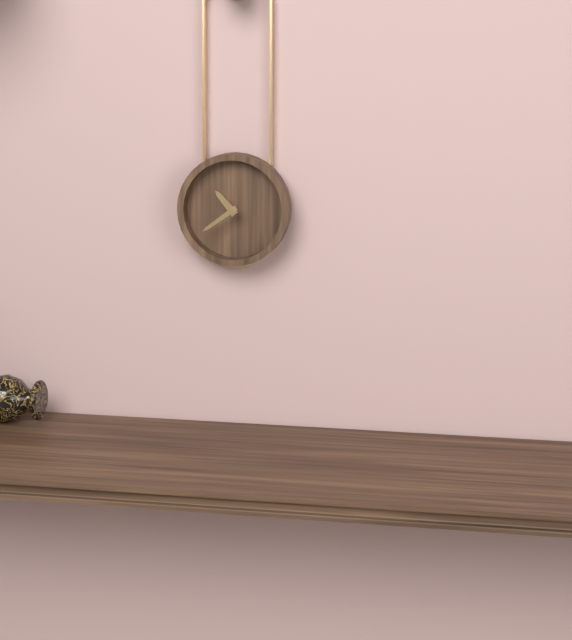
10,39
